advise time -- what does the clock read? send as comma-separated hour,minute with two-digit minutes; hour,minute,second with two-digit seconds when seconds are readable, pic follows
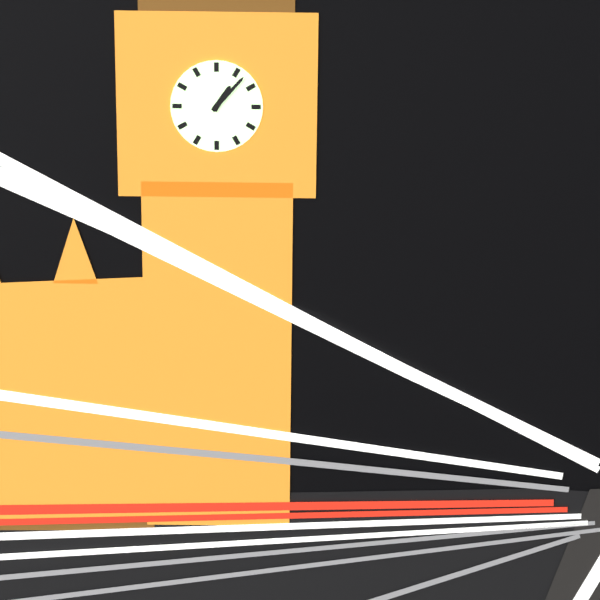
1,07
